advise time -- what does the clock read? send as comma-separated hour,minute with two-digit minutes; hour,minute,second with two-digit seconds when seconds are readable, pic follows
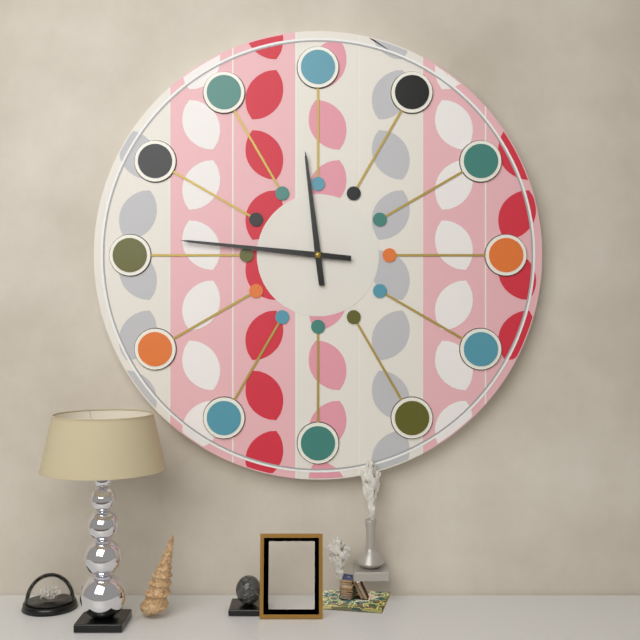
11,46
